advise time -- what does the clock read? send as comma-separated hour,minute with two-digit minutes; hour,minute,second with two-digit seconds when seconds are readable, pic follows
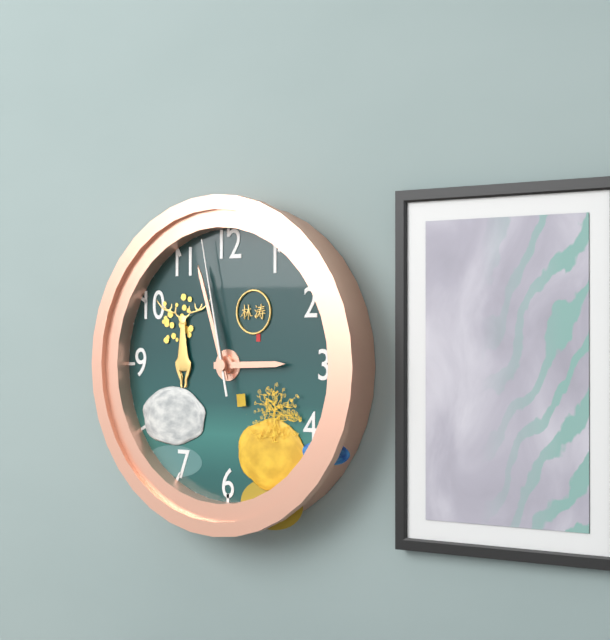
2,57,58
